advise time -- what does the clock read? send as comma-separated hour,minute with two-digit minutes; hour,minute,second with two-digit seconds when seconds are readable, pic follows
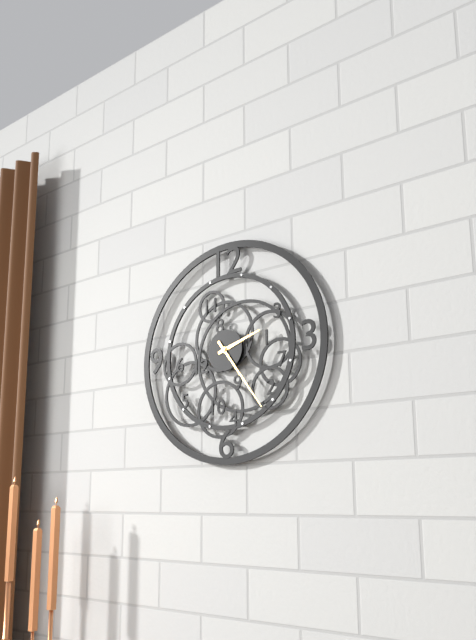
2,24
